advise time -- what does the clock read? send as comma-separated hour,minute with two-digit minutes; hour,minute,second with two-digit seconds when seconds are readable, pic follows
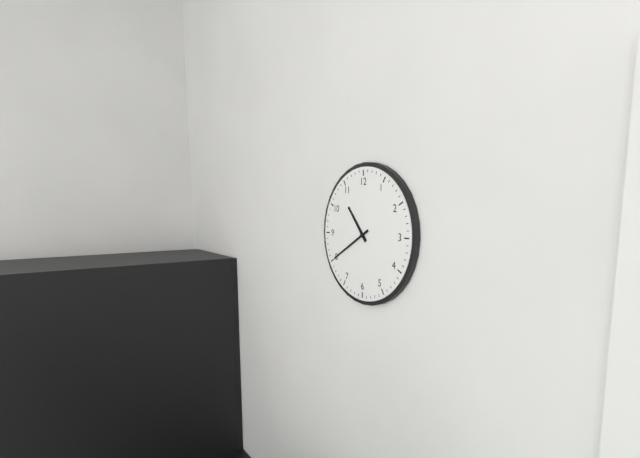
10,40
